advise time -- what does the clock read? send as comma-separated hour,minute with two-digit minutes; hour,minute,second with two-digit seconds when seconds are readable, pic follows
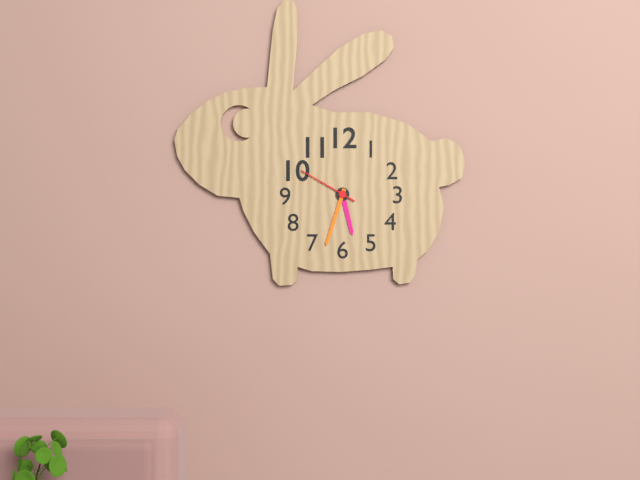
5,33,50
